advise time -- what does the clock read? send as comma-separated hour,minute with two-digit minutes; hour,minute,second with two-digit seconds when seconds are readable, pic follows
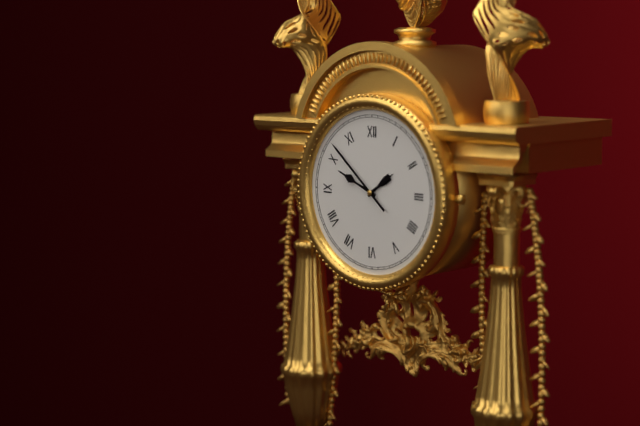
1,49,52
